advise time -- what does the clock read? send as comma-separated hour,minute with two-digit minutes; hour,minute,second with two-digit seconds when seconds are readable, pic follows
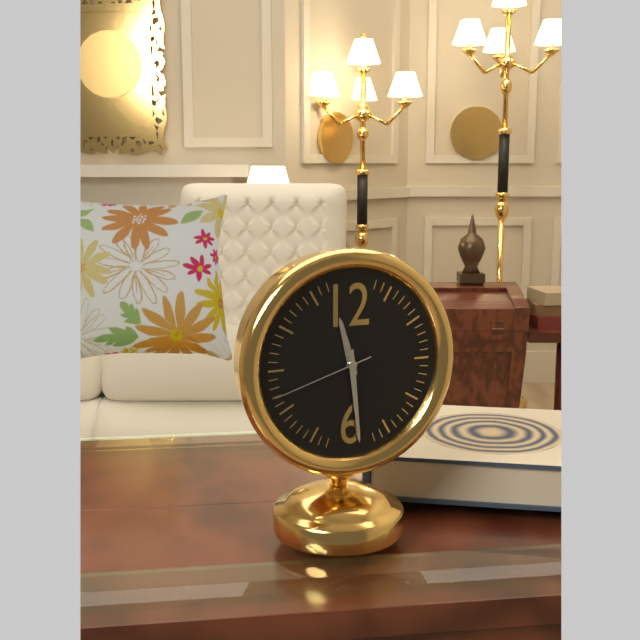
11,29,42
